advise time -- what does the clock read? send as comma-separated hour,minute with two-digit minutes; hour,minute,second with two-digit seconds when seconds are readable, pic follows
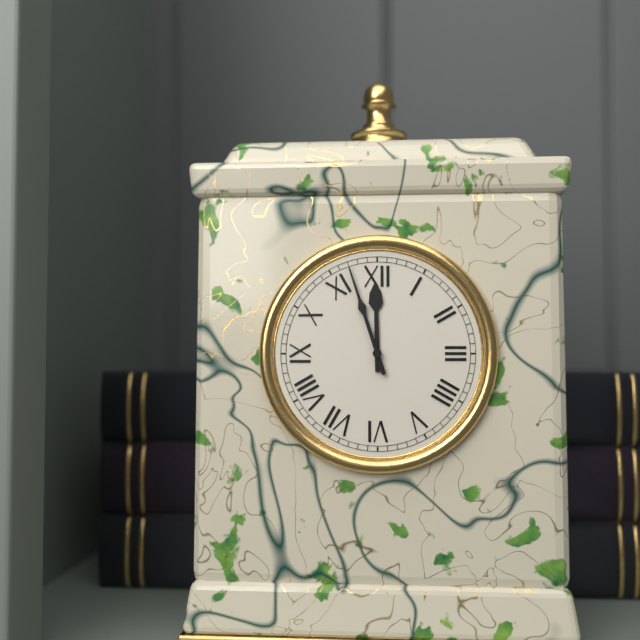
11,57
